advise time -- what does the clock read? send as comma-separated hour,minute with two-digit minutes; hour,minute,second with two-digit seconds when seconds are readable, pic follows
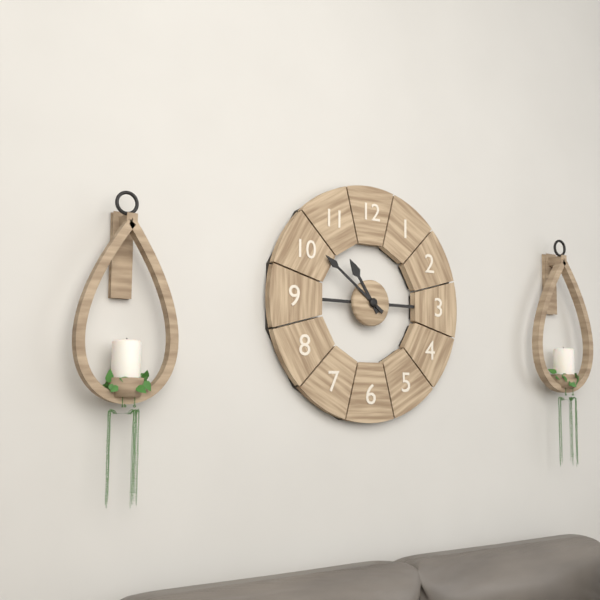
10,51
